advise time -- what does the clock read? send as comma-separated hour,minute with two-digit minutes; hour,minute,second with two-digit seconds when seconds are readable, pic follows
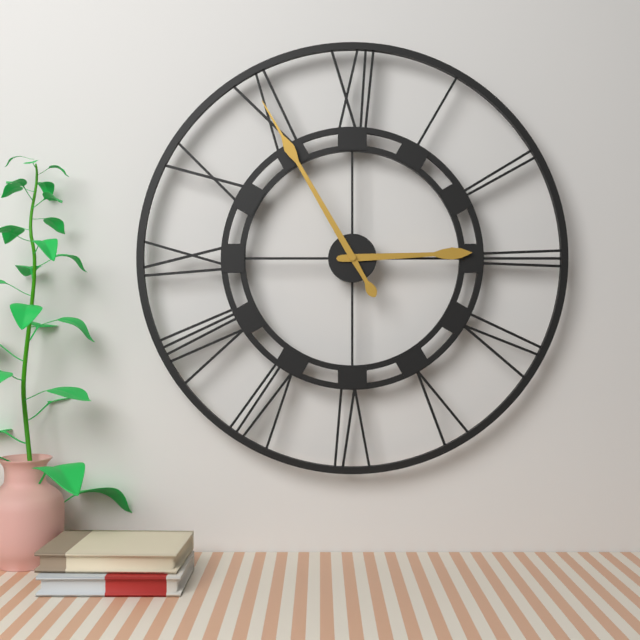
2,55
